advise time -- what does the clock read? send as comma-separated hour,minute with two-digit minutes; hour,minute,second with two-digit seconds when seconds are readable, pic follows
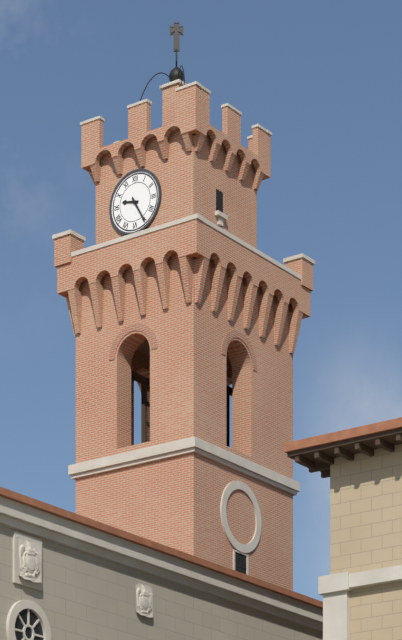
9,25
